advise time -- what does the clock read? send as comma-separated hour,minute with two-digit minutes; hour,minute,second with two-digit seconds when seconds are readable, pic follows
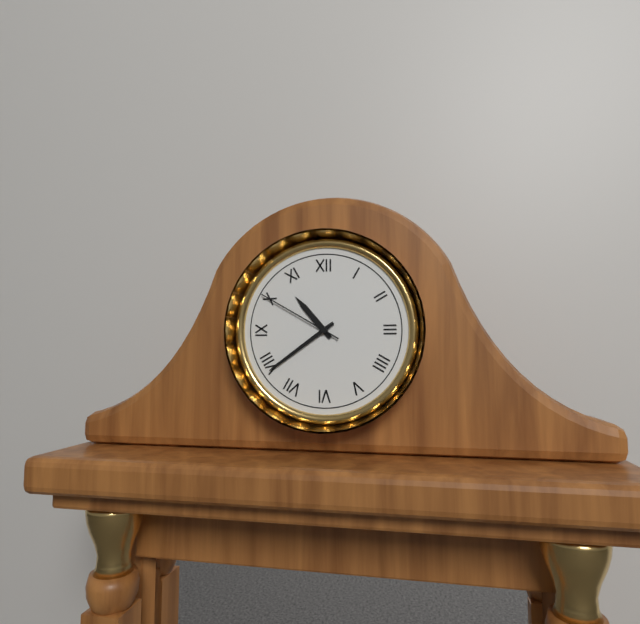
10,39,50
